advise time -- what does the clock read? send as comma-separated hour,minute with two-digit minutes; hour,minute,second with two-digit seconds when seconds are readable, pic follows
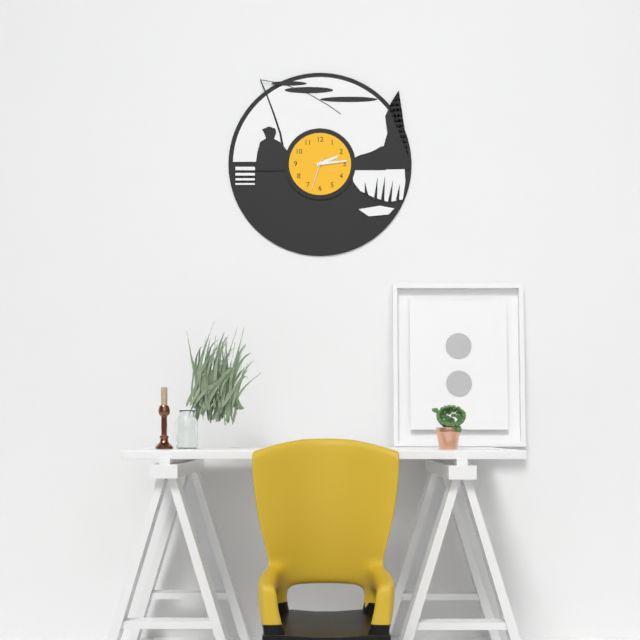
2,14
